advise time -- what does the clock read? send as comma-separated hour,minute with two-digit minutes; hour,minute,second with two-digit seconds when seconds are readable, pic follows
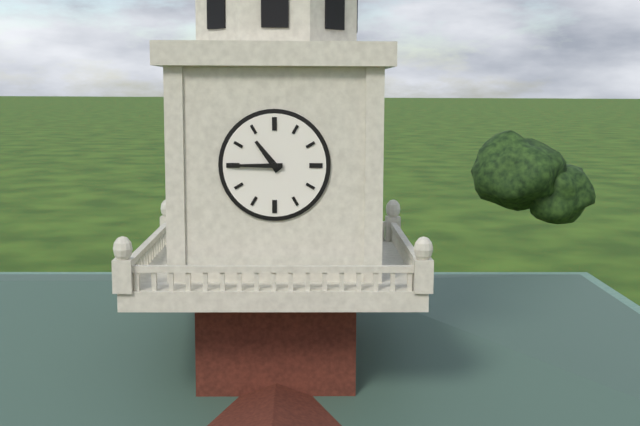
10,45
